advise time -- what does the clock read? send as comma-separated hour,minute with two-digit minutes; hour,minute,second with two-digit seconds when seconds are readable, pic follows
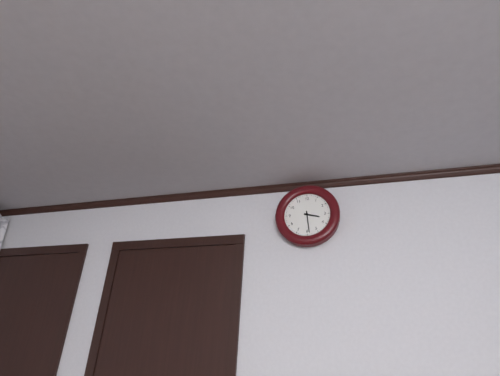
3,29
